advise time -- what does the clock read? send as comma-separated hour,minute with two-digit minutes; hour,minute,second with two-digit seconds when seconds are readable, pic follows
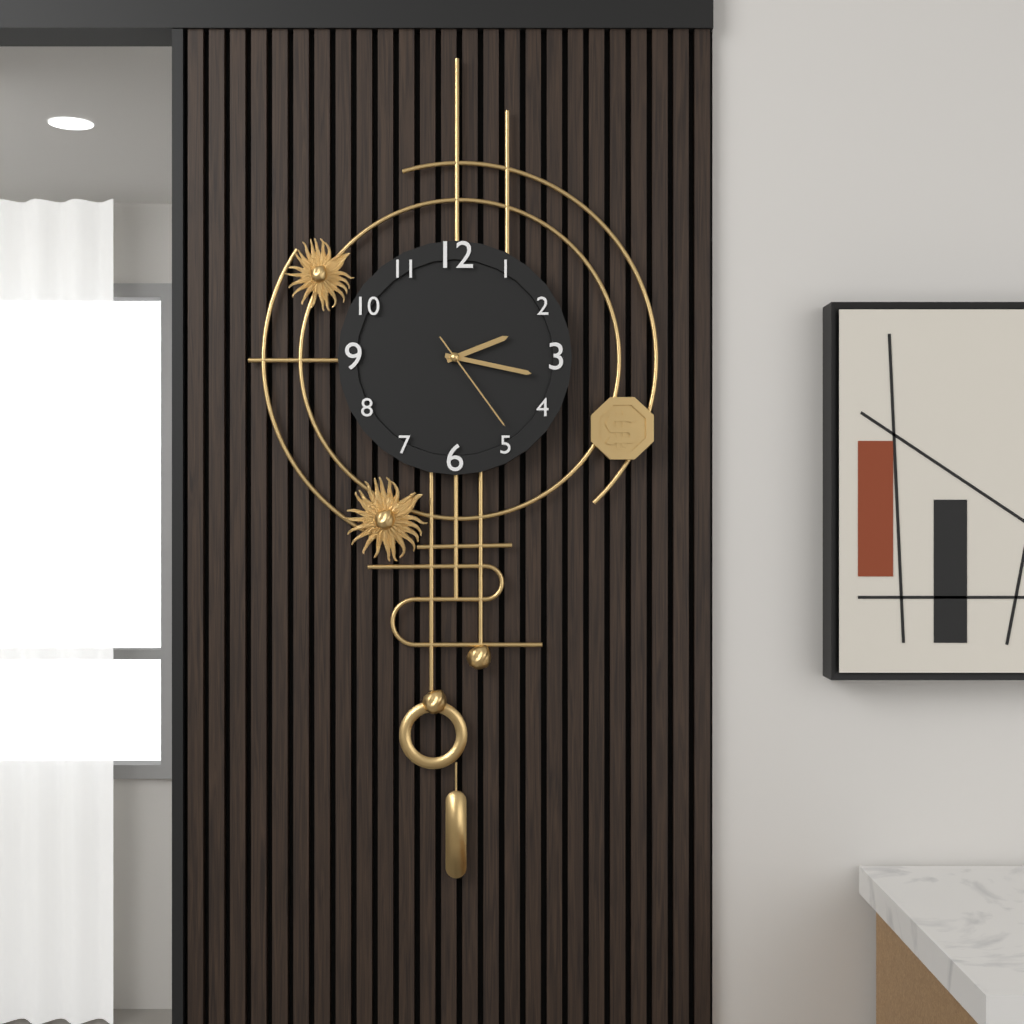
2,17,24
